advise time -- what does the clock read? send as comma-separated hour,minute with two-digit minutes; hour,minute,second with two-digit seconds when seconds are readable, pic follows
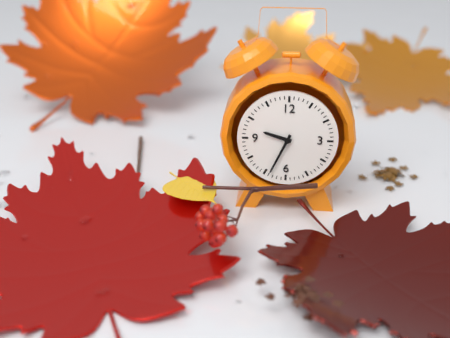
9,34
